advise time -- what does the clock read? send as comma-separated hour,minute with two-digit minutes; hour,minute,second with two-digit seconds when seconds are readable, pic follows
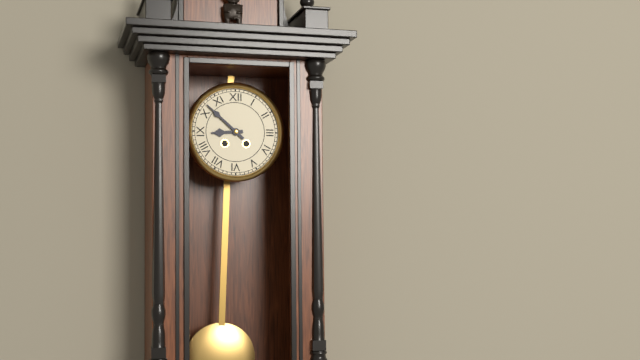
8,52
